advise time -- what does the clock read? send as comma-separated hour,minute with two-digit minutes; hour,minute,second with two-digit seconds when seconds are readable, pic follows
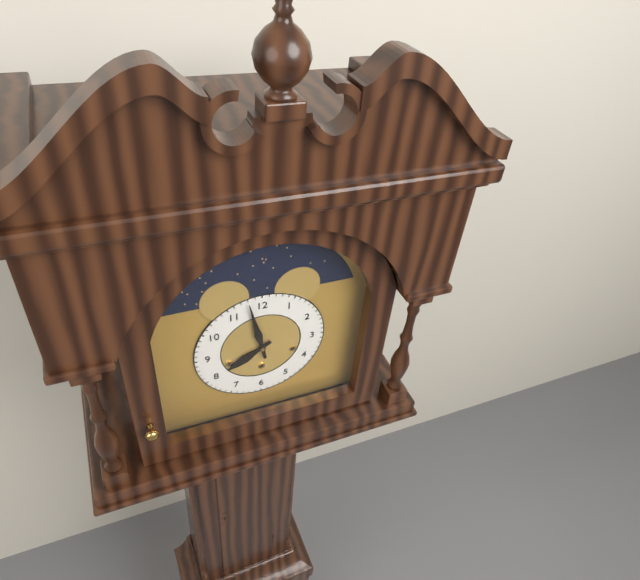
7,58
